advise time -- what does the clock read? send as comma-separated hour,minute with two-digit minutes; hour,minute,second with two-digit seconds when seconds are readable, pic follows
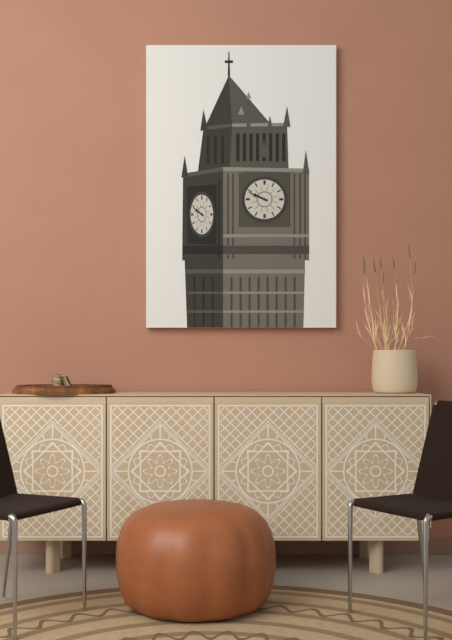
9,49
